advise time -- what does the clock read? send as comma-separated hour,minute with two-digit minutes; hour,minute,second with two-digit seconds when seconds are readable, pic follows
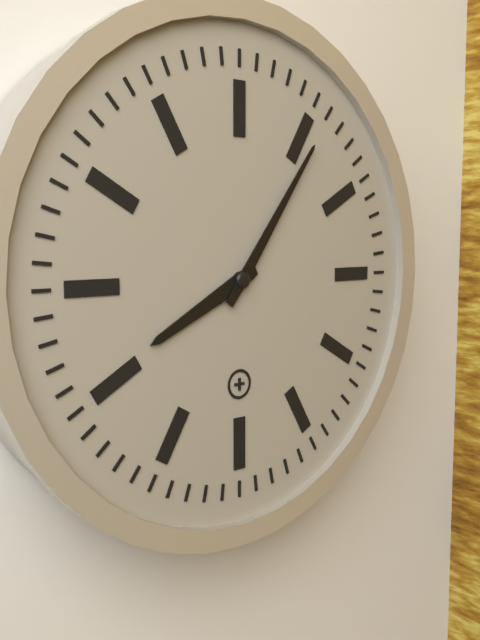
8,06
